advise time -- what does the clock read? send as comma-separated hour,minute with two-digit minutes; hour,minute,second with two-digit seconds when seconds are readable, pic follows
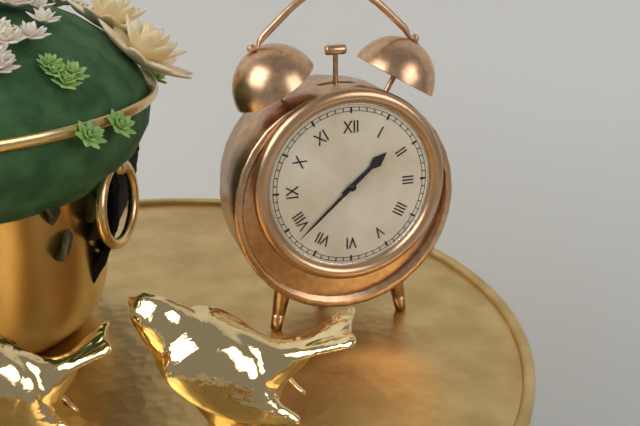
1,38
